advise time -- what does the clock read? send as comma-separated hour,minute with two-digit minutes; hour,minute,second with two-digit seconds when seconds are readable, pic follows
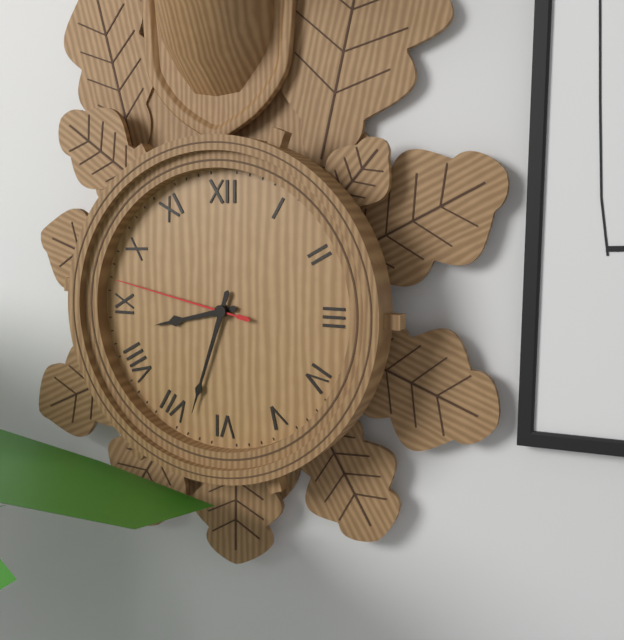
8,33,47
